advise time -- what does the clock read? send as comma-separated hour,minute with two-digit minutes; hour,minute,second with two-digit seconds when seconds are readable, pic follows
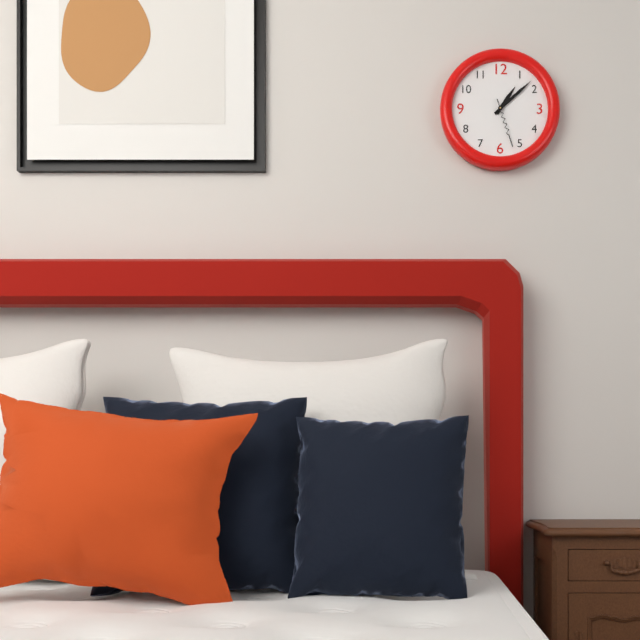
1,08,27
